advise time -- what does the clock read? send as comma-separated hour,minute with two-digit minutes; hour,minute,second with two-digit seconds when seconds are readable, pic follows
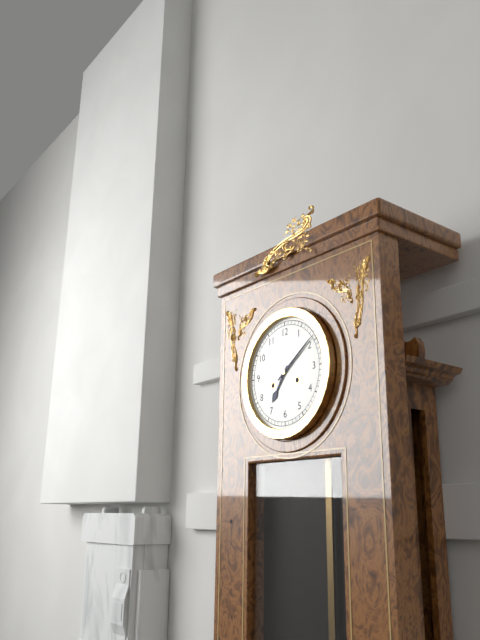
7,09
